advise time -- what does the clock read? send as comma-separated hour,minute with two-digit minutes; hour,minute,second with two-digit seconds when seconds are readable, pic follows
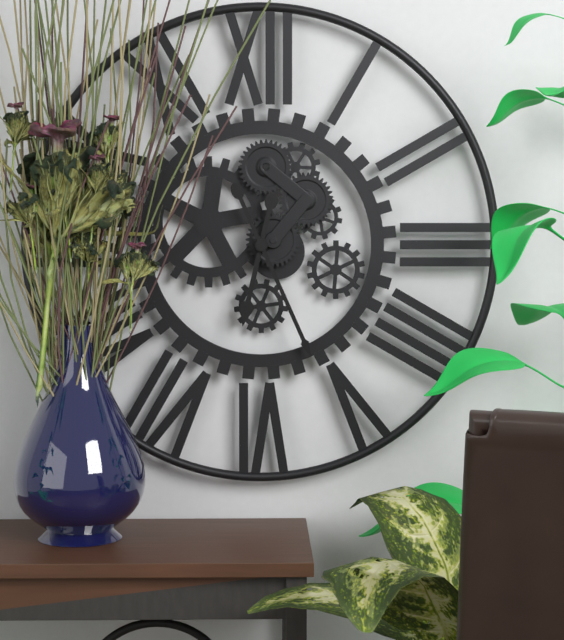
6,26
